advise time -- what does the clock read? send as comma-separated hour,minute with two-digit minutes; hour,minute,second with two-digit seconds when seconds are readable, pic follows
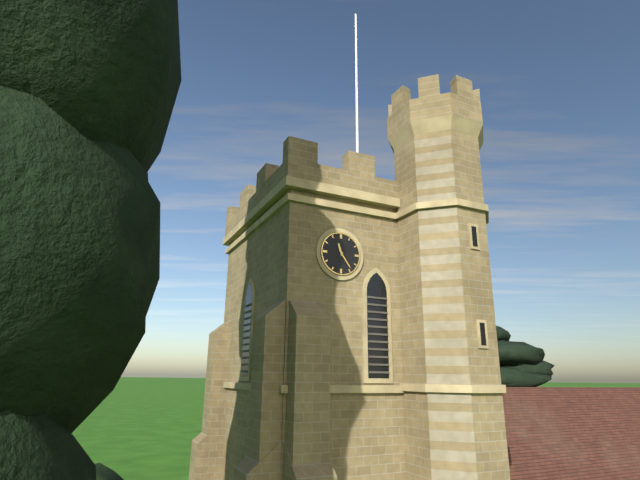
11,24
